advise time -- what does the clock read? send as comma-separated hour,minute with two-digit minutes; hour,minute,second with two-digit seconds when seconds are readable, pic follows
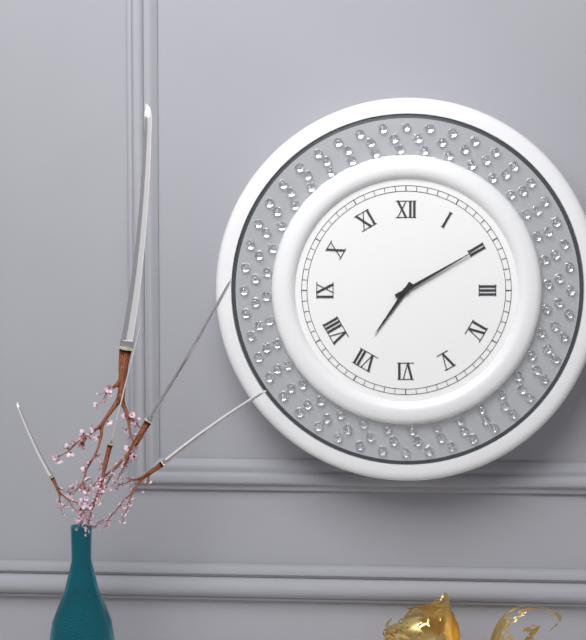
7,10
